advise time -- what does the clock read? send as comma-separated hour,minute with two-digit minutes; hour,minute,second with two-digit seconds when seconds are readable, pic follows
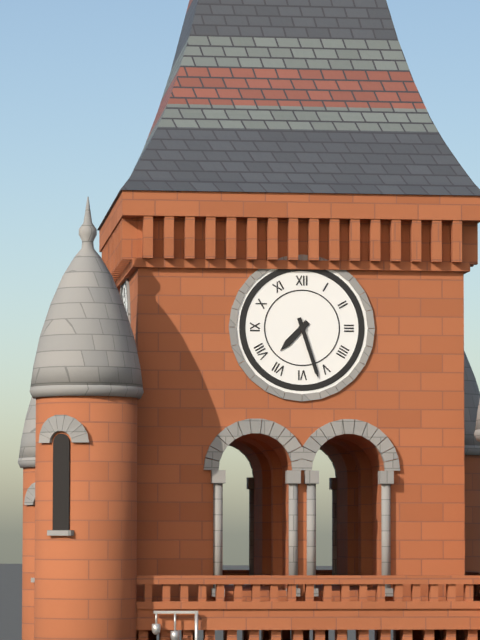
7,27
